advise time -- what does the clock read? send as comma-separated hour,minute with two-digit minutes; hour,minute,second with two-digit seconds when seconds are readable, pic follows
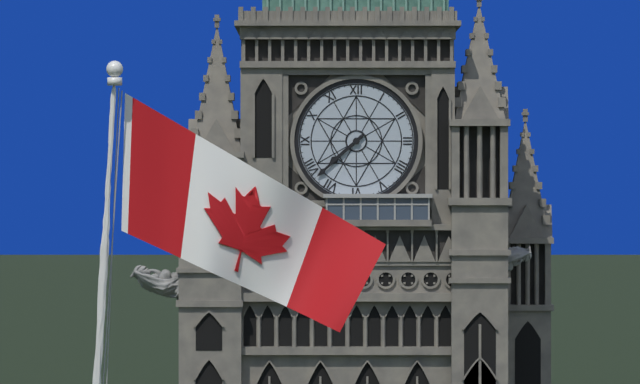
7,38
